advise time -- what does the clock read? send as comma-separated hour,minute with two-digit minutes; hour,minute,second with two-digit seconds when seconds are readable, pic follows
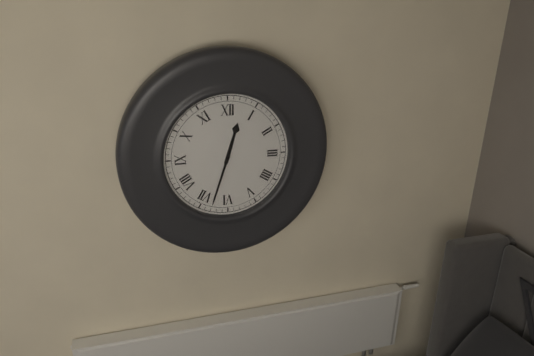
12,33
